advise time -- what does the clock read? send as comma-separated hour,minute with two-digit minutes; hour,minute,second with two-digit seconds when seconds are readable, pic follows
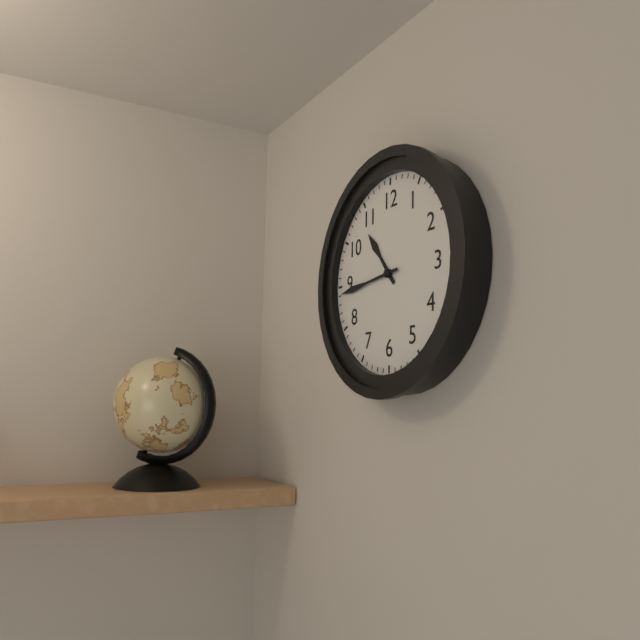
10,44
